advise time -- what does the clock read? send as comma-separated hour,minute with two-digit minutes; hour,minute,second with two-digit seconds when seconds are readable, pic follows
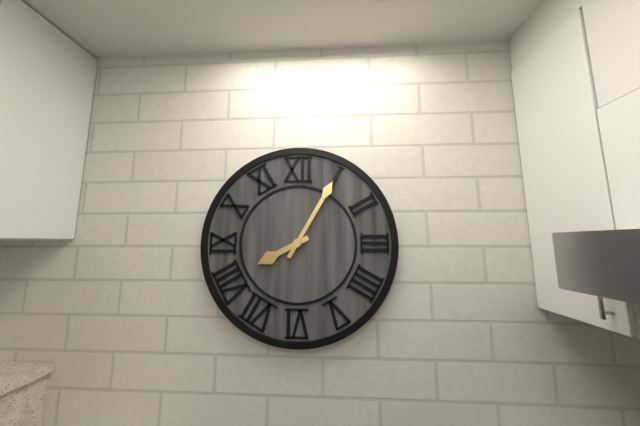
8,05
